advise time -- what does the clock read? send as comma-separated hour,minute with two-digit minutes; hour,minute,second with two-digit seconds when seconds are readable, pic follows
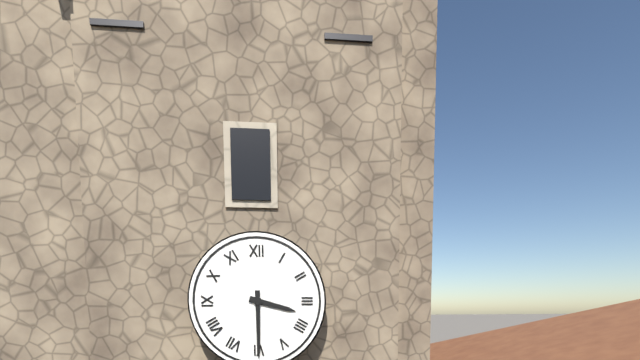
3,30
